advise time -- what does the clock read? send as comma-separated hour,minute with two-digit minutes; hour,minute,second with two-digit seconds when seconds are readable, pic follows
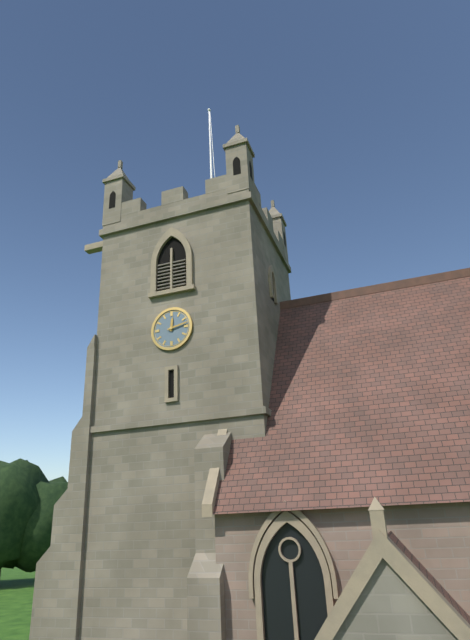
12,13
